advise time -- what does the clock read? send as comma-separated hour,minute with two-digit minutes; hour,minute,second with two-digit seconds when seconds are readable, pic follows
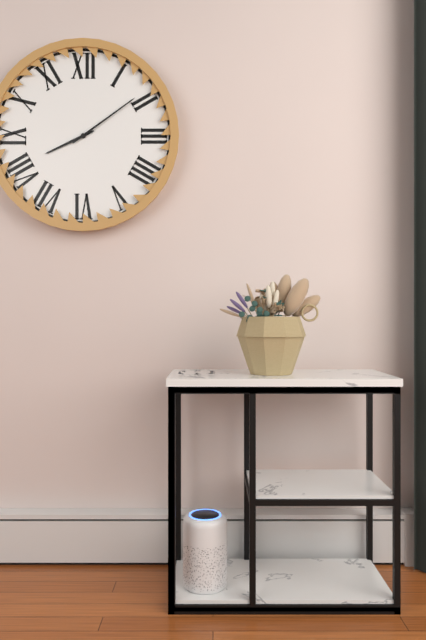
8,09
